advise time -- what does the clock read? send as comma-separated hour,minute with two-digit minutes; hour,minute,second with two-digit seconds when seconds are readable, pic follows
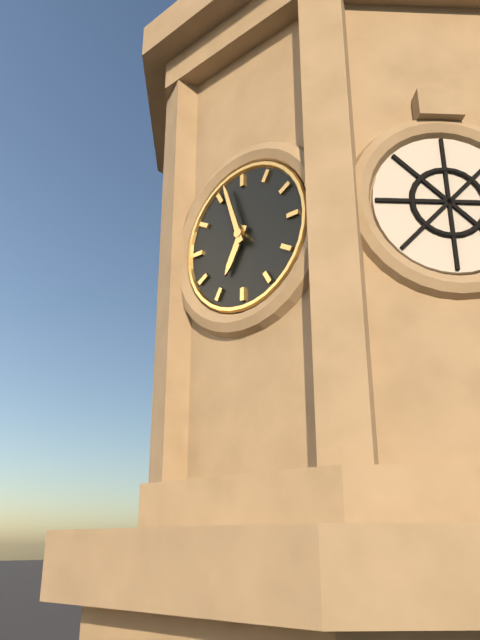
6,57
